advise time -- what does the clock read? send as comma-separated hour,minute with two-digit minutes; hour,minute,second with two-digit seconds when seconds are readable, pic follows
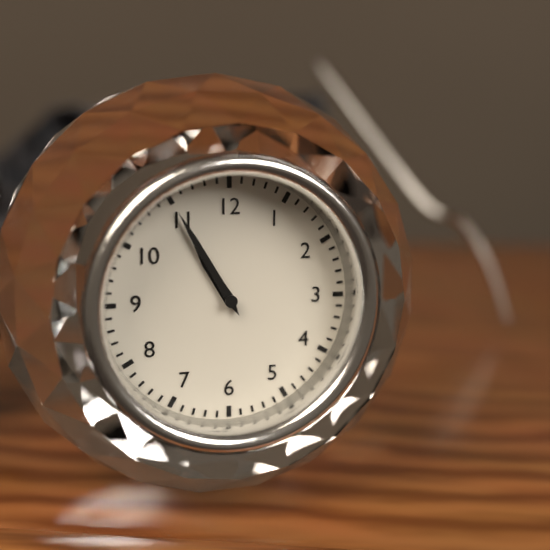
10,55
